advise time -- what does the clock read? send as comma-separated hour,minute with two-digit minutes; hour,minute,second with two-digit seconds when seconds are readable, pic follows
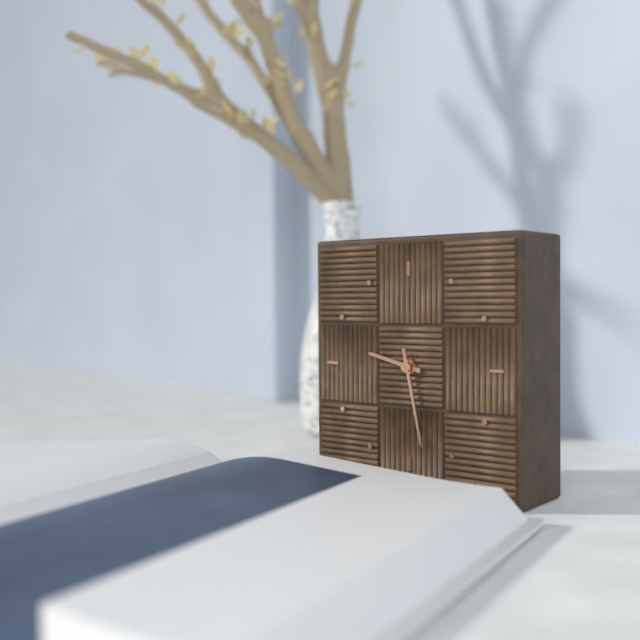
9,28
